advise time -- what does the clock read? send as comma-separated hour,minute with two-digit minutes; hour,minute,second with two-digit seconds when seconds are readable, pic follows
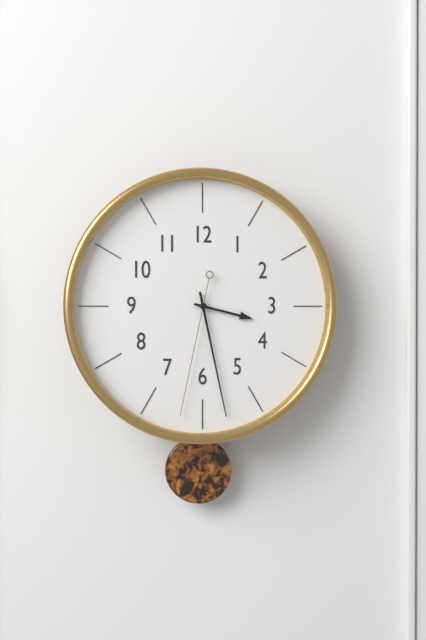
3,28,32
